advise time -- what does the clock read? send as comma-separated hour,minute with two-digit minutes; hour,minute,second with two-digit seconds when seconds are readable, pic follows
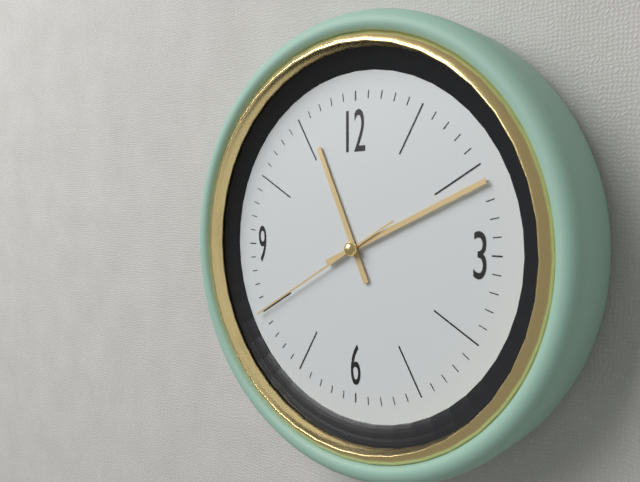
11,11,40
